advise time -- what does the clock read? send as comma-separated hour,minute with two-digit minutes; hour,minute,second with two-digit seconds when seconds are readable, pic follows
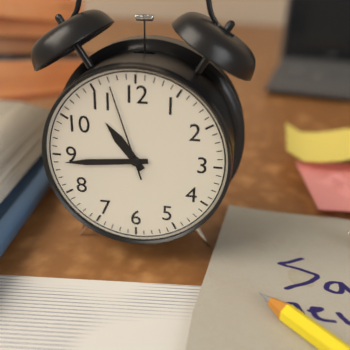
10,44,57
